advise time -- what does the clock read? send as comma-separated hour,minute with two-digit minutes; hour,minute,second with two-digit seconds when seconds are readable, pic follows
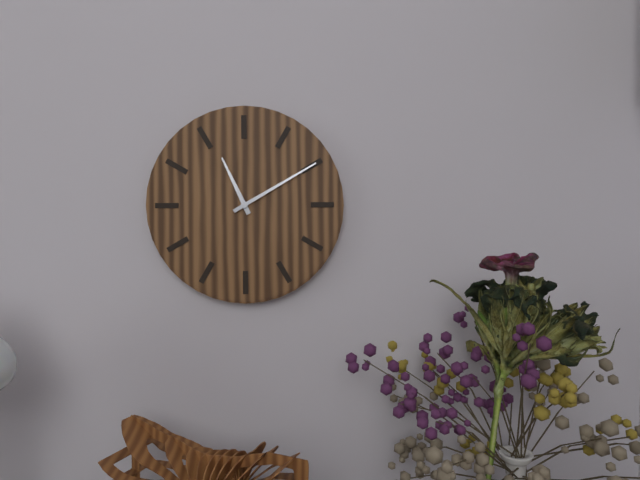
11,10
